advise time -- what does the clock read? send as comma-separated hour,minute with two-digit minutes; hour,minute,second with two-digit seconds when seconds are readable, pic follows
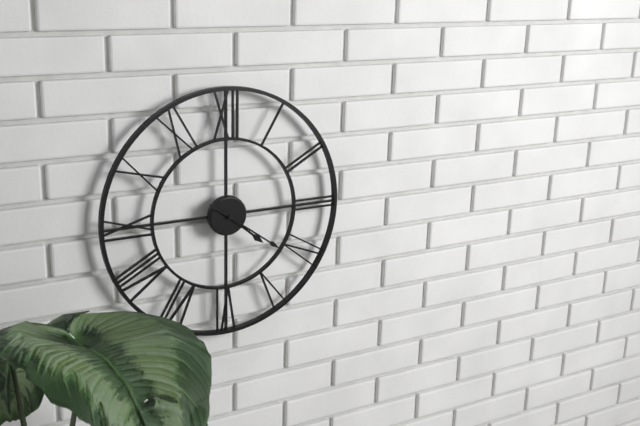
4,21
